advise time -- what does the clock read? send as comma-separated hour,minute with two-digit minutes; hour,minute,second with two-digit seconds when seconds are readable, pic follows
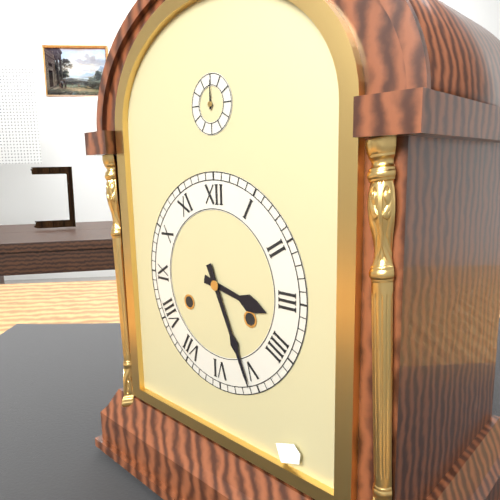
3,26
